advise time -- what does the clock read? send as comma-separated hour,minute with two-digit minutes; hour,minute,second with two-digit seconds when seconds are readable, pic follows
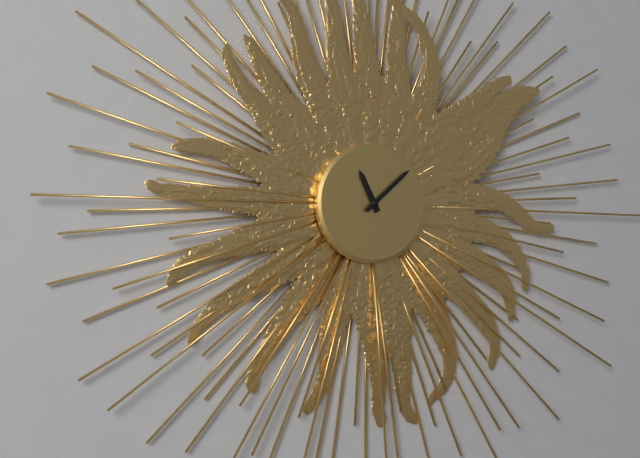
11,08
